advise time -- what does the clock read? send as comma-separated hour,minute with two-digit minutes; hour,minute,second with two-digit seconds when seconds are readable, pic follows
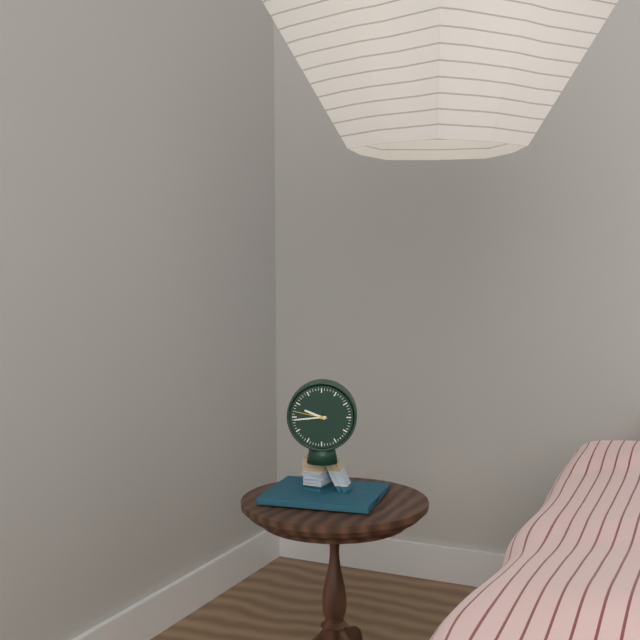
9,44
